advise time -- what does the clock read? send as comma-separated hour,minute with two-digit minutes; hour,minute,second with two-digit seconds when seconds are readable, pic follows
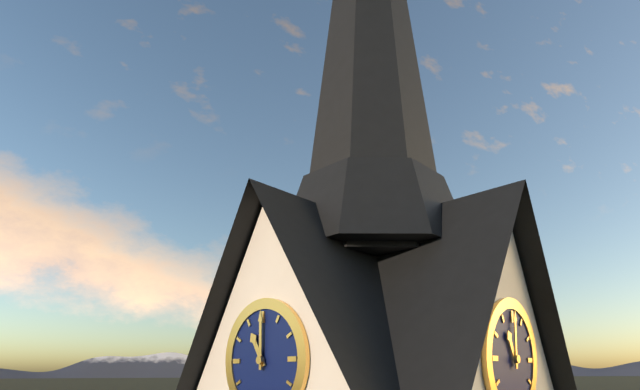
11,00
